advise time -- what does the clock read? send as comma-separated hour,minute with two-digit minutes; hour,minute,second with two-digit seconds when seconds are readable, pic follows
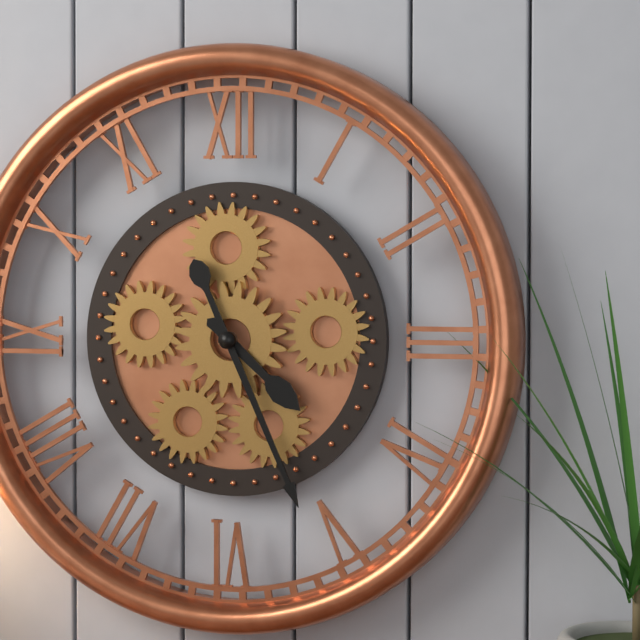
4,26
